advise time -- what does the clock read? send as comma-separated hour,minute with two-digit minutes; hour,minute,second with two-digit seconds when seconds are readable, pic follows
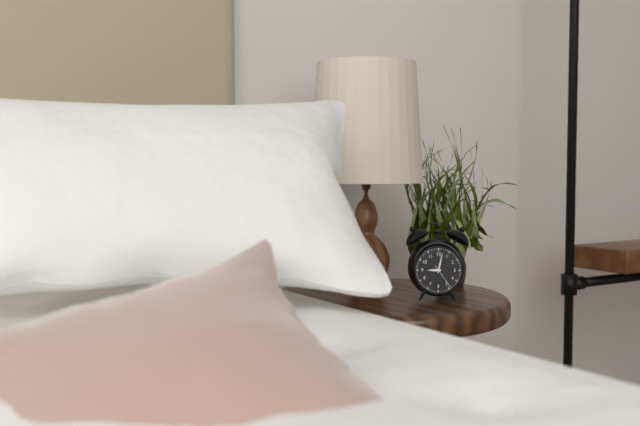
9,02
